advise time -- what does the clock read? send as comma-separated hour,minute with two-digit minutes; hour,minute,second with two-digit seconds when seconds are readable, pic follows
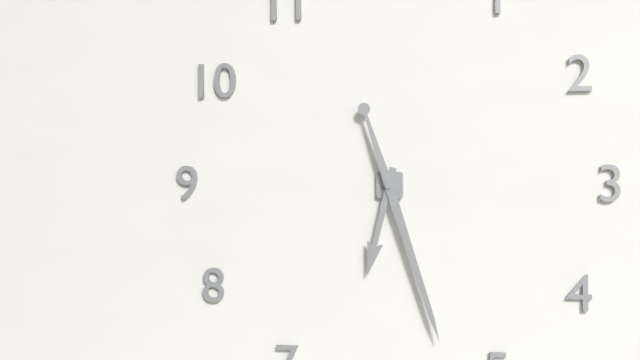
6,27
